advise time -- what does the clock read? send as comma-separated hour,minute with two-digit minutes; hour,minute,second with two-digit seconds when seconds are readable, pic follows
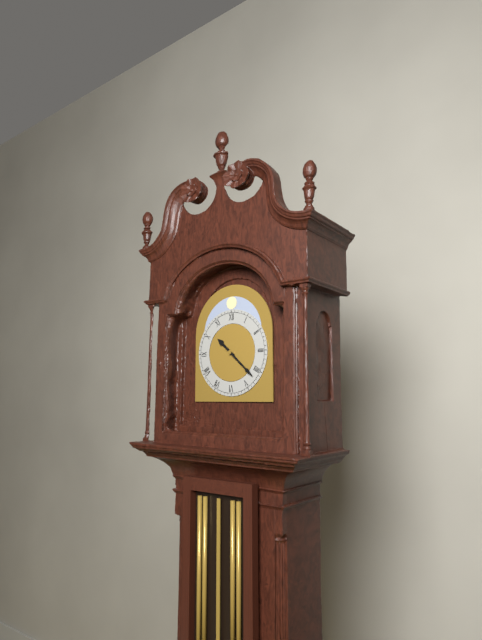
10,22
